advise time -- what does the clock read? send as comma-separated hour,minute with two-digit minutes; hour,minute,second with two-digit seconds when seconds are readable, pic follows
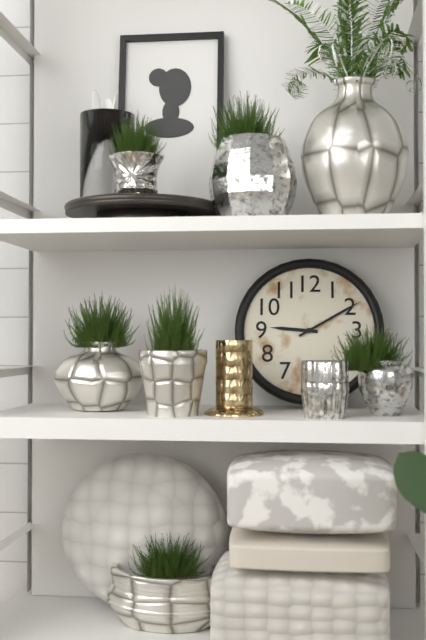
9,10
